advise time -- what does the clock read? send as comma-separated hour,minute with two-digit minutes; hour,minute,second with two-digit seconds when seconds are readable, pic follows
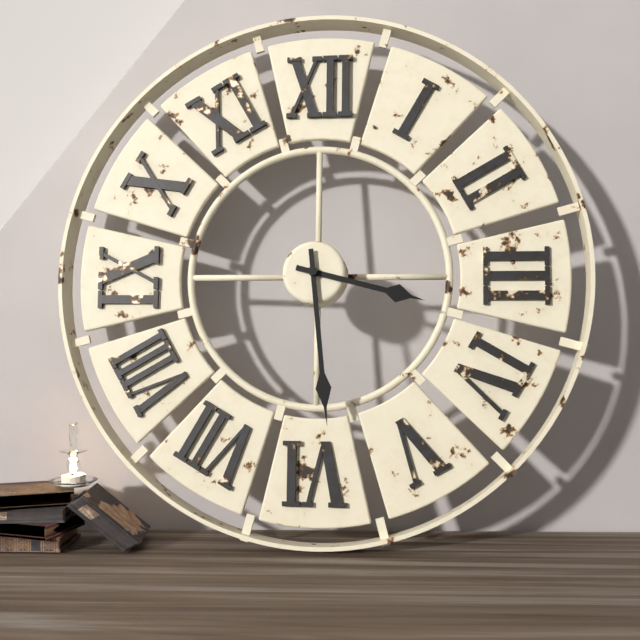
3,29
